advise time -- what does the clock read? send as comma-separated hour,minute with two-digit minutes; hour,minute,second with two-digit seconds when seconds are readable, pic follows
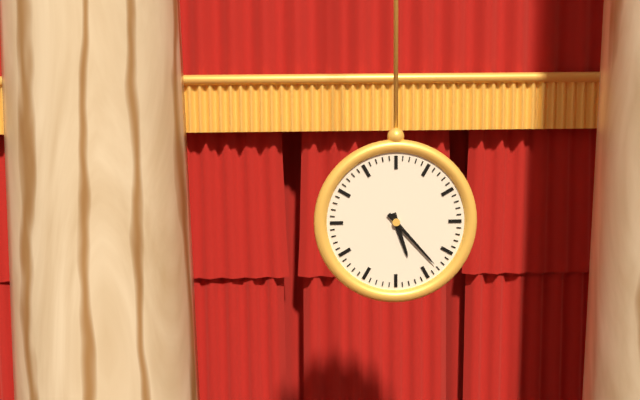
5,23
